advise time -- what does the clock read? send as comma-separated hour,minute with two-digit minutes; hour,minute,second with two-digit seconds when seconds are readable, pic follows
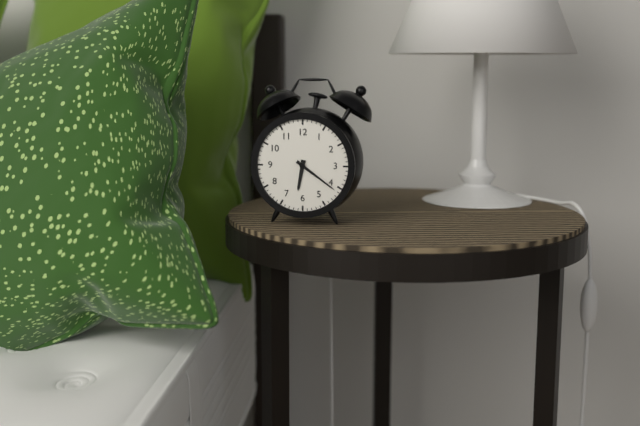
6,21
